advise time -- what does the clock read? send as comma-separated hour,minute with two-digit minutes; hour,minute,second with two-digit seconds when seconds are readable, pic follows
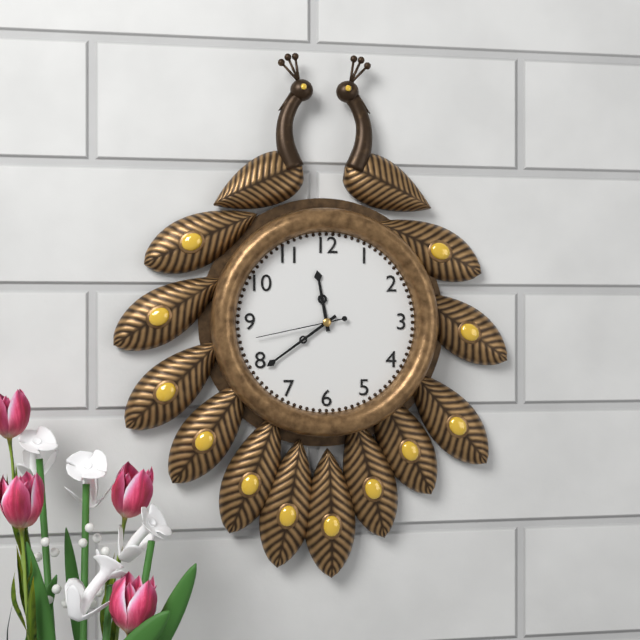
11,39,43
